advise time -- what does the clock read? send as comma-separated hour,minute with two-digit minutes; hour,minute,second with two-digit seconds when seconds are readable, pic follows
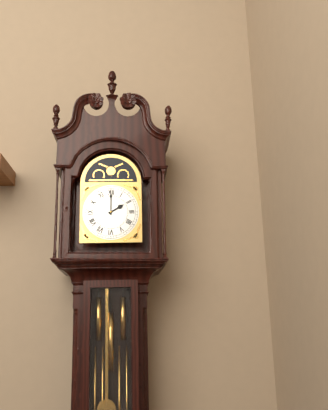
2,00
